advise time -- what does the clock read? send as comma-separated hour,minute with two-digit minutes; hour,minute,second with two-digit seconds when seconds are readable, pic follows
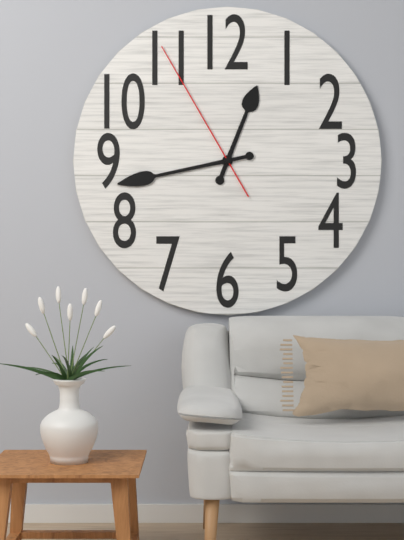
12,43,55
